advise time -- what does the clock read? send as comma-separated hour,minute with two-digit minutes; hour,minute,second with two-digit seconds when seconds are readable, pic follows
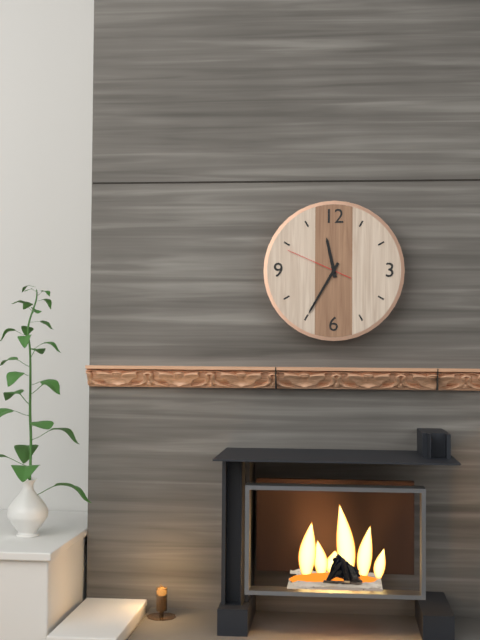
11,35,49
